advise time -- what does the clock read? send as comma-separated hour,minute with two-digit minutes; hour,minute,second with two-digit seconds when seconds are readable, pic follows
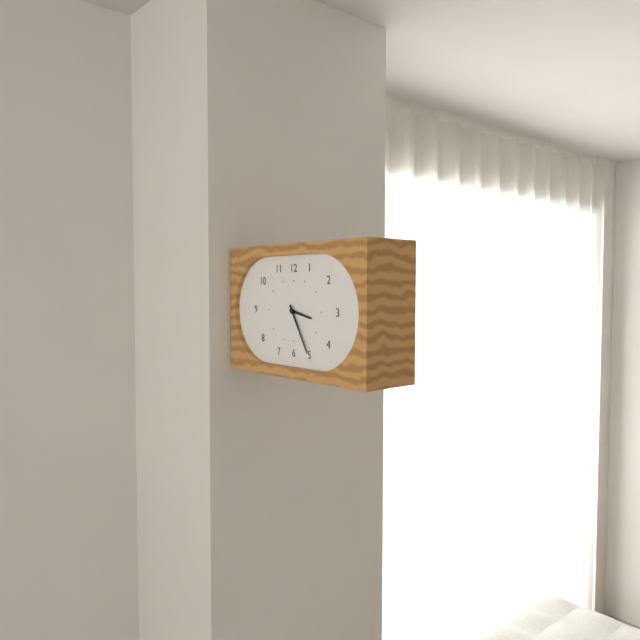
3,25
